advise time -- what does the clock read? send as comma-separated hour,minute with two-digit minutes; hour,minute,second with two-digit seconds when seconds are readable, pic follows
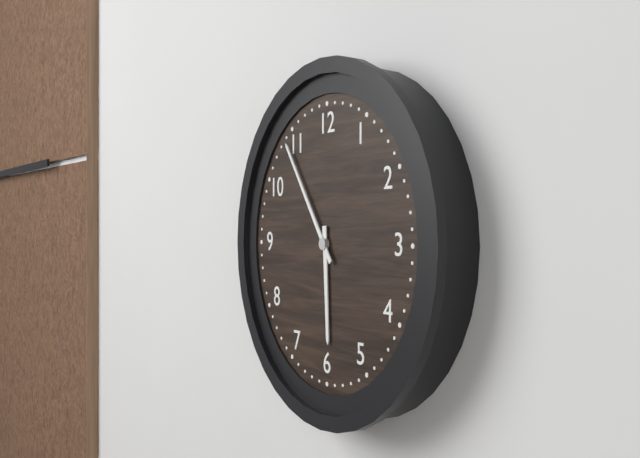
5,54
